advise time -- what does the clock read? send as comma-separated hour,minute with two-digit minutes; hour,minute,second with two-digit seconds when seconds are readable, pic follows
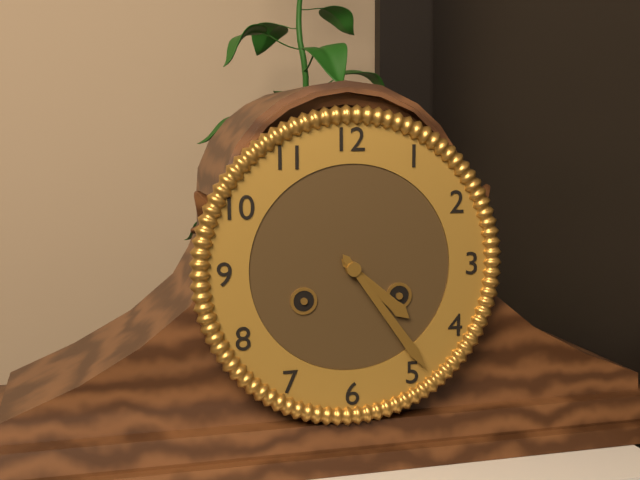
4,24
